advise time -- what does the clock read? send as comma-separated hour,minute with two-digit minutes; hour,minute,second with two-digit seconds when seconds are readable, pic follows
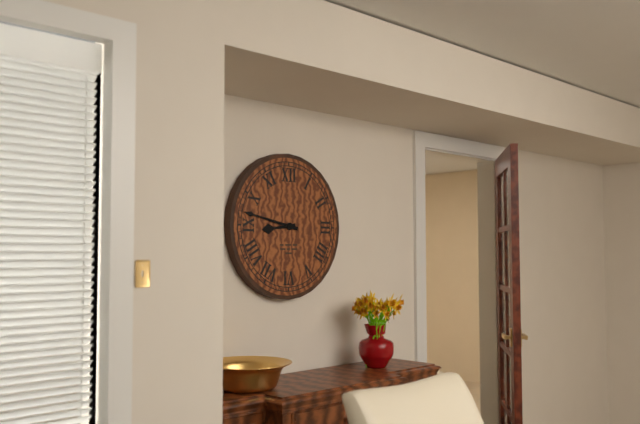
8,47
